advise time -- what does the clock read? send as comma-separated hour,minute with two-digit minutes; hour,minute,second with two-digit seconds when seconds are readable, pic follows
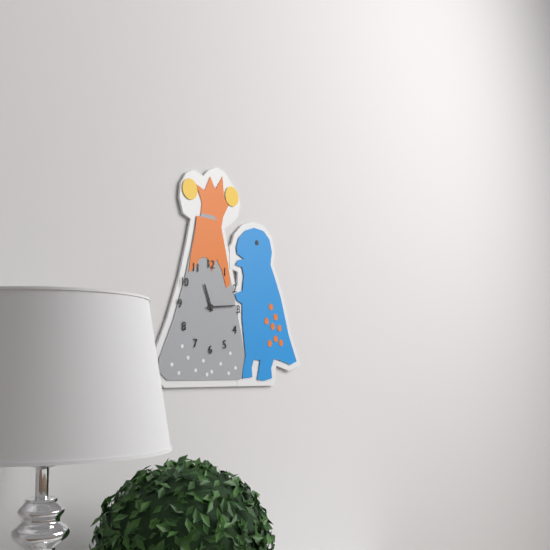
11,14
